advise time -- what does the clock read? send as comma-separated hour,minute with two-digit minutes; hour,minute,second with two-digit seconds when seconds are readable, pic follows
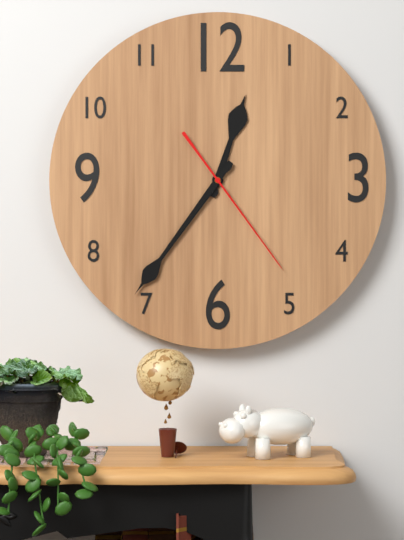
12,36,24
